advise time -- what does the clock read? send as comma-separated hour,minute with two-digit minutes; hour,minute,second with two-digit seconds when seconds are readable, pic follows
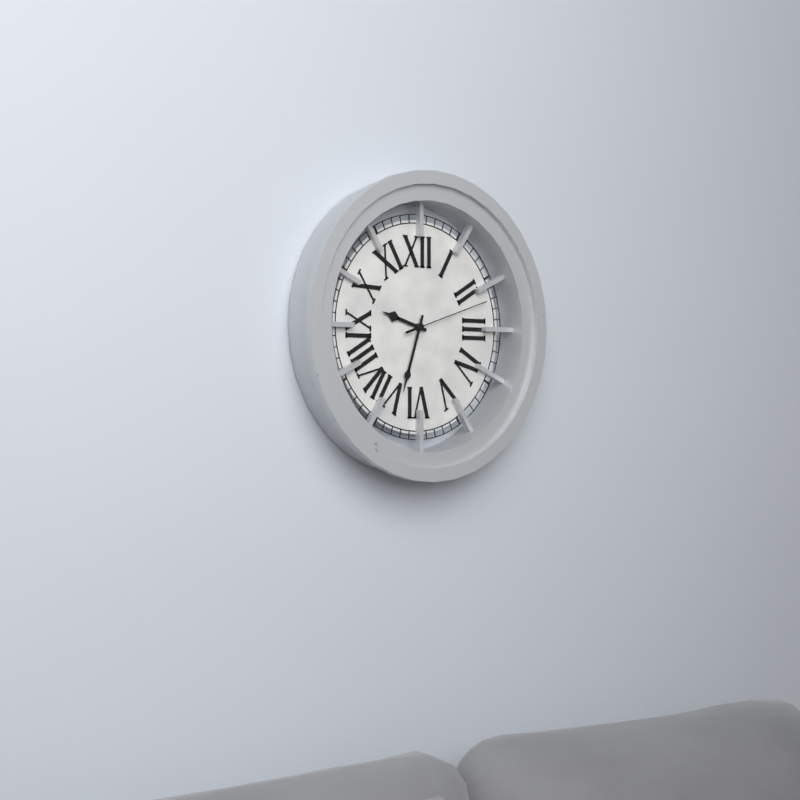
9,33,12
